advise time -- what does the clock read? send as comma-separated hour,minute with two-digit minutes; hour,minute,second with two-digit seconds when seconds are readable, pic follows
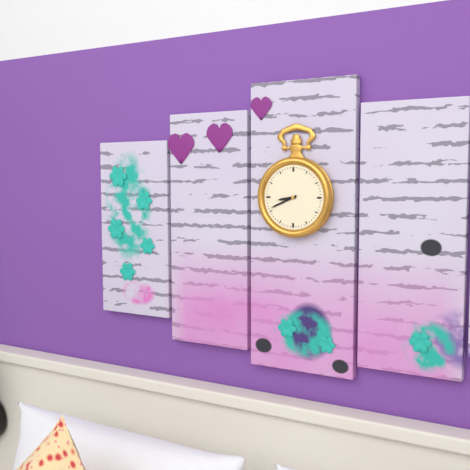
8,41
